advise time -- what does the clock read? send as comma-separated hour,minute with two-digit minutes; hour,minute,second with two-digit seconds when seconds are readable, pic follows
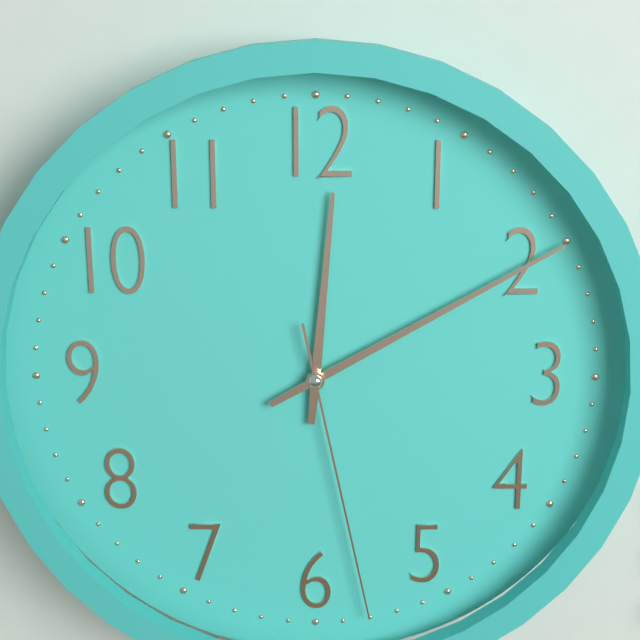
12,10,28
